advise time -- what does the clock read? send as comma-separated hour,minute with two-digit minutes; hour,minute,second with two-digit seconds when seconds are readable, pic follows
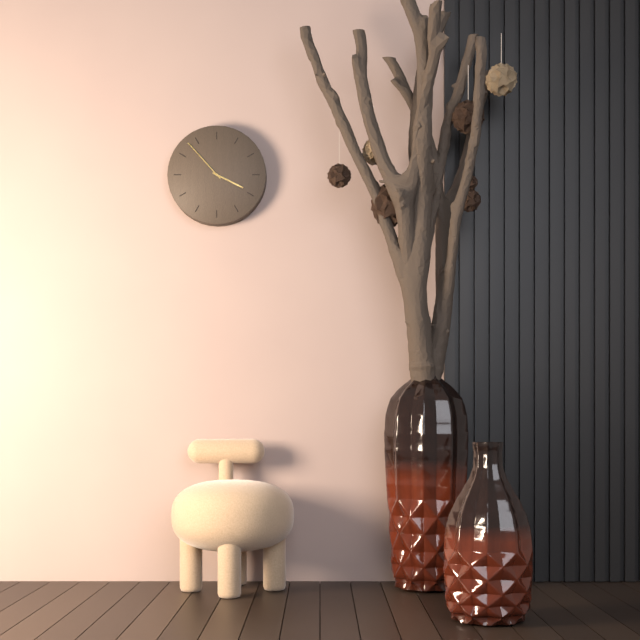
3,53
